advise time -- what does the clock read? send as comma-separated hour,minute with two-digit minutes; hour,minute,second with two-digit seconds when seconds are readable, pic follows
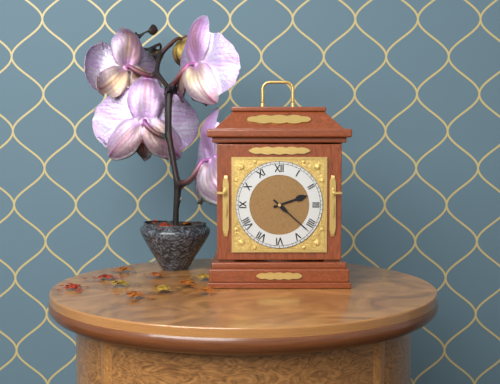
2,22
